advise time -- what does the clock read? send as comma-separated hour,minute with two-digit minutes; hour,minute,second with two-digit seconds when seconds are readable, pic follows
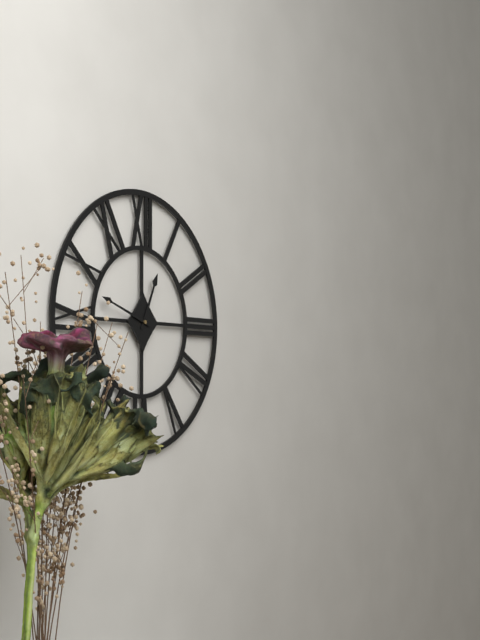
12,48
